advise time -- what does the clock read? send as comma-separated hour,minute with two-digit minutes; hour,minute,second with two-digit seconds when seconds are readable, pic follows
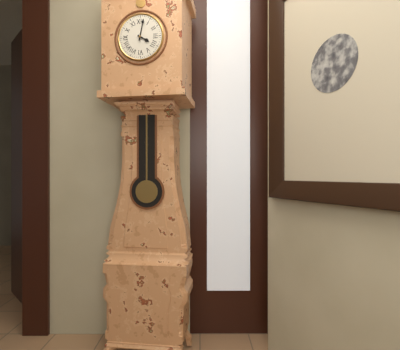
4,02
